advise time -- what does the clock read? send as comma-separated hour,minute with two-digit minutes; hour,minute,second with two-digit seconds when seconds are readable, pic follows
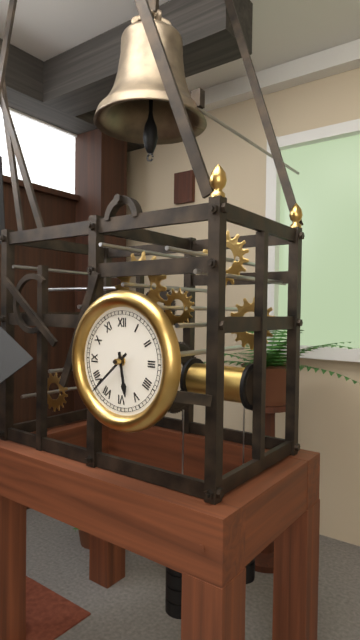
5,38
